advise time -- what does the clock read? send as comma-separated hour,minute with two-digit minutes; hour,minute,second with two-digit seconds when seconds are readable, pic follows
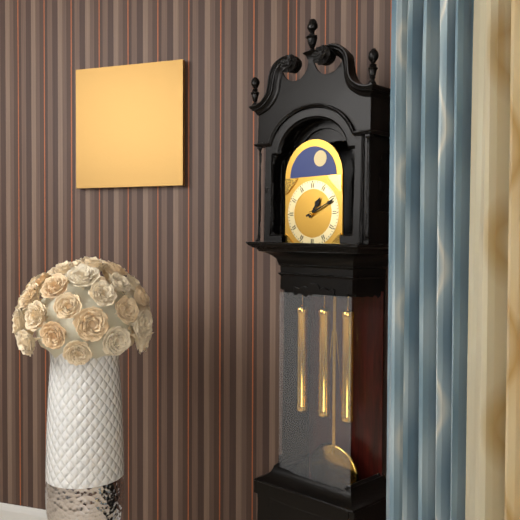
1,11
